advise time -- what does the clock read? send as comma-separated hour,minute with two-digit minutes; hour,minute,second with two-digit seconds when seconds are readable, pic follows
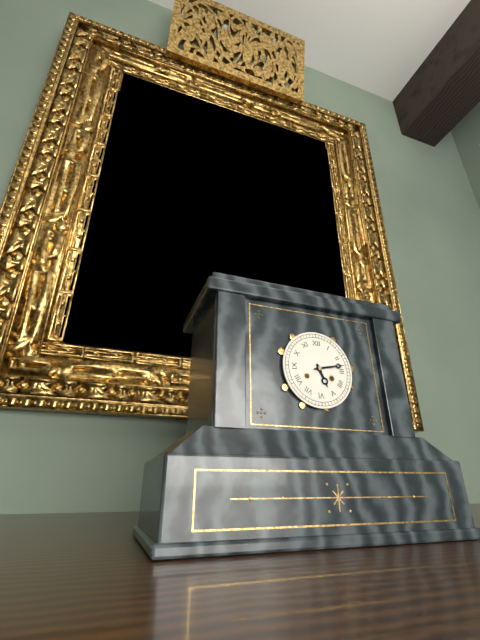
5,13
